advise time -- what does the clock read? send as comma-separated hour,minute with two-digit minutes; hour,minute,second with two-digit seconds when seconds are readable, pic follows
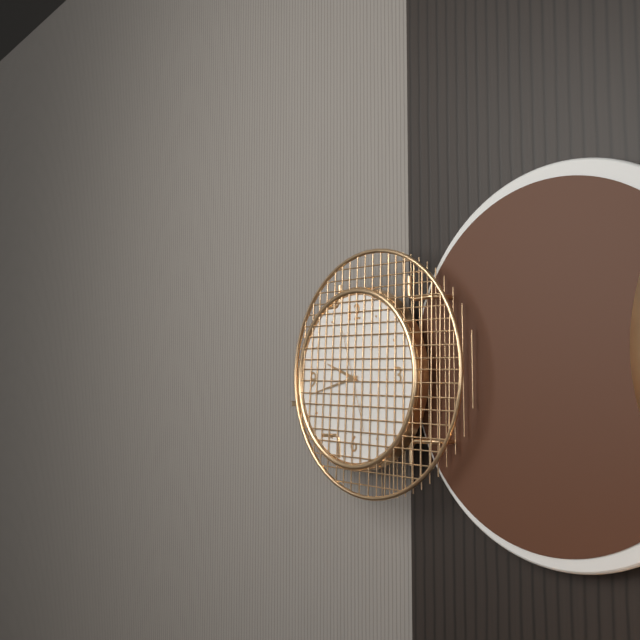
9,43,27
